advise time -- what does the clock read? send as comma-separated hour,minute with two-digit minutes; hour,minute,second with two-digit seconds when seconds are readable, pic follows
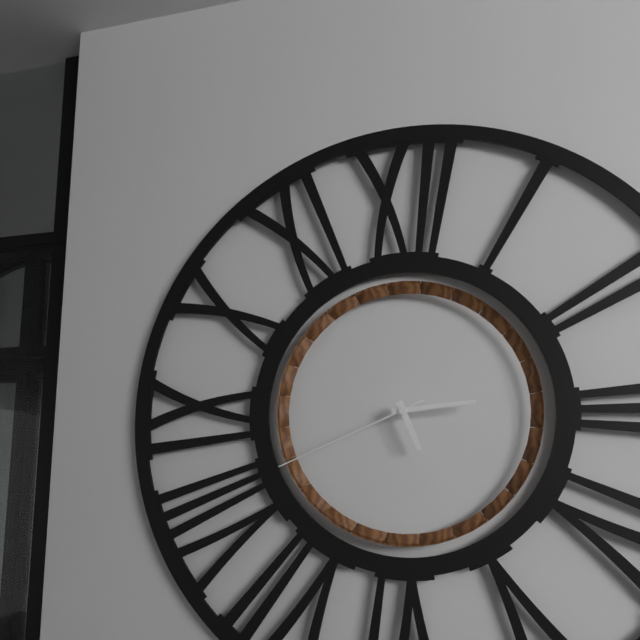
5,14,41
